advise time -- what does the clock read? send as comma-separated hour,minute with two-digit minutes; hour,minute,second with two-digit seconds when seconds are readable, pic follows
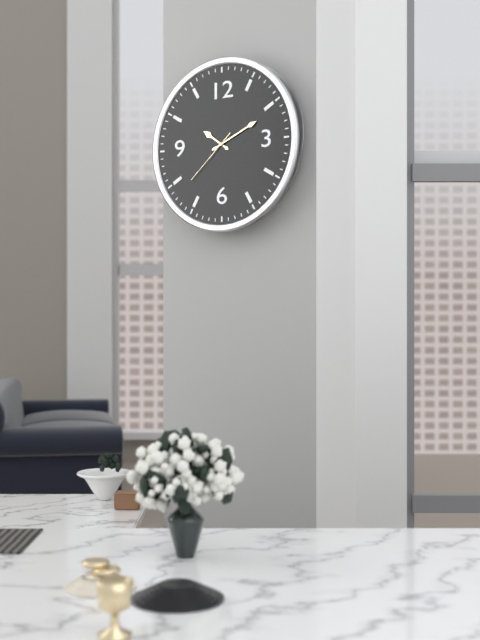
10,11,38
